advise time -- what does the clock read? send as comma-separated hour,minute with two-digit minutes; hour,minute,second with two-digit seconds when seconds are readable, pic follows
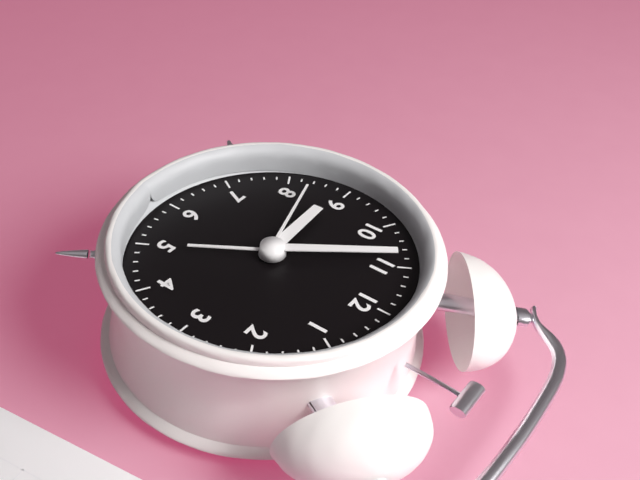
8,54,42
